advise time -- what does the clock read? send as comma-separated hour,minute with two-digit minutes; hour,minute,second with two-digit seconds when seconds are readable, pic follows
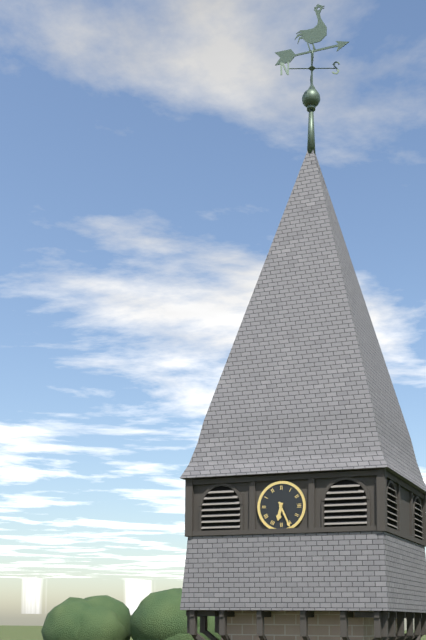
6,26
